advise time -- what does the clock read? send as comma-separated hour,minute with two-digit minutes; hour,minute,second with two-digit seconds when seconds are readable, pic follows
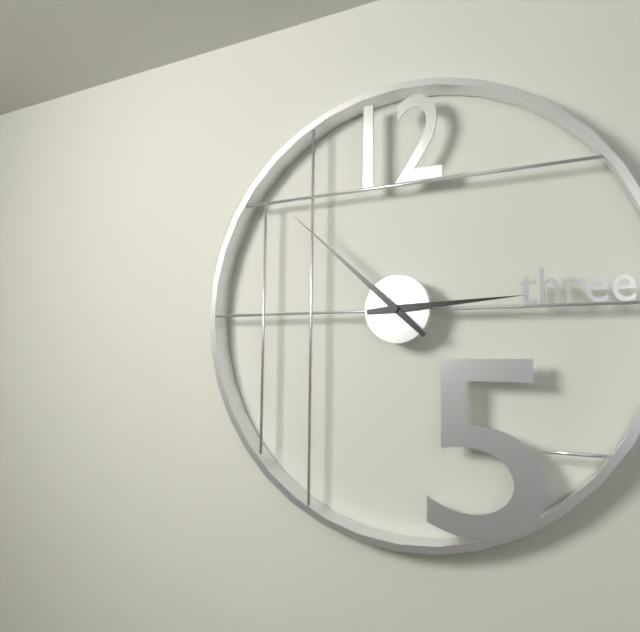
2,52
